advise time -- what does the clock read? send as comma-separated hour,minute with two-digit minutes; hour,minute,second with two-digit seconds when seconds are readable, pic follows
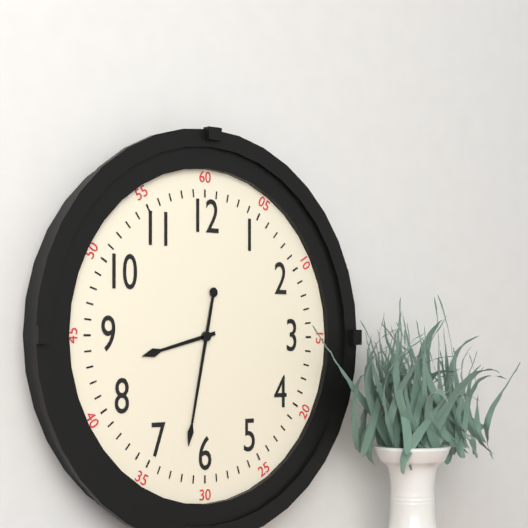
8,32
